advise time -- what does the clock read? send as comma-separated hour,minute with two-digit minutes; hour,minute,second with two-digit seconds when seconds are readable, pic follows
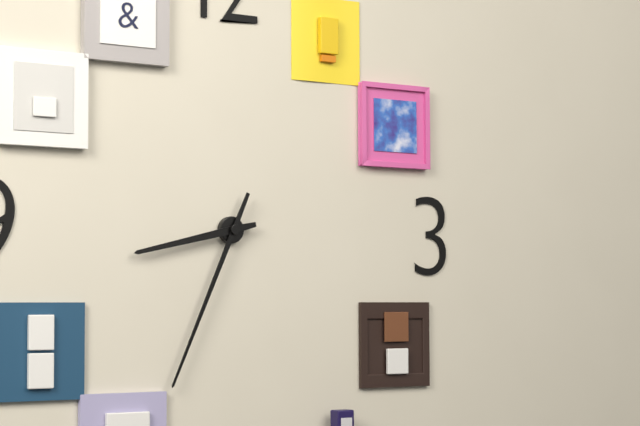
8,34
